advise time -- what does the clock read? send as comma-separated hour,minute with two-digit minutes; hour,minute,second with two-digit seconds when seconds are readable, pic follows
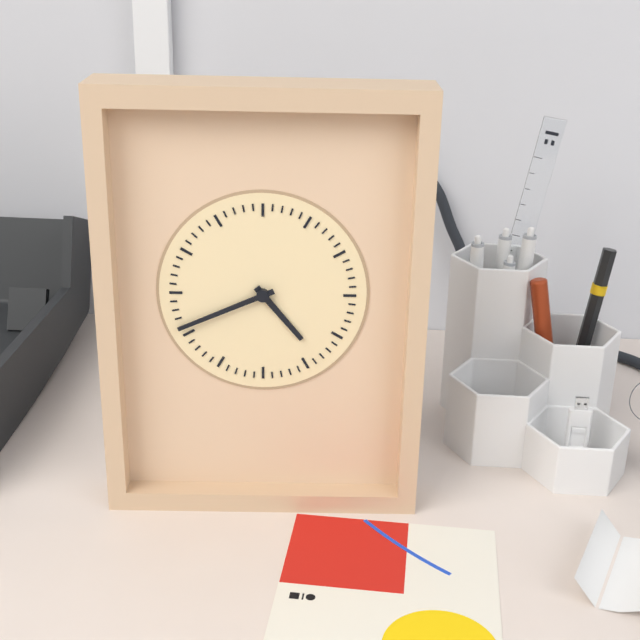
4,41
